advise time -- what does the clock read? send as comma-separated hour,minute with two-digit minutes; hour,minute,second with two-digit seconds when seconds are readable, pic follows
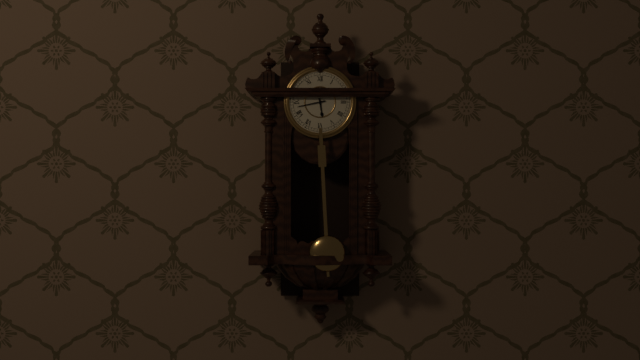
5,43
